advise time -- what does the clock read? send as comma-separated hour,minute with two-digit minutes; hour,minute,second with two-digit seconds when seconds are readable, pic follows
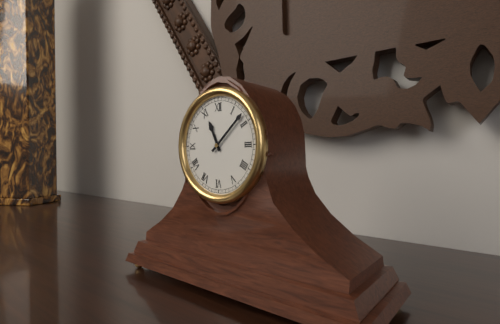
11,08
